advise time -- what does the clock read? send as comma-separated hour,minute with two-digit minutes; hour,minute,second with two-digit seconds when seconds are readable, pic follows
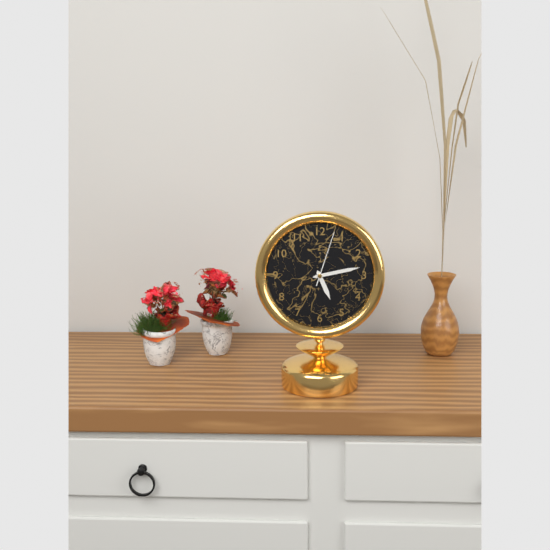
5,13,03
